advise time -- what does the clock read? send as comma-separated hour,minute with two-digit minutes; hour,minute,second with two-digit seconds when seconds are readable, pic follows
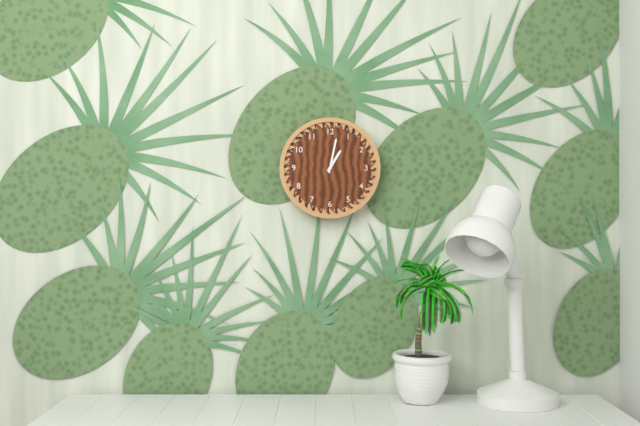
1,02
